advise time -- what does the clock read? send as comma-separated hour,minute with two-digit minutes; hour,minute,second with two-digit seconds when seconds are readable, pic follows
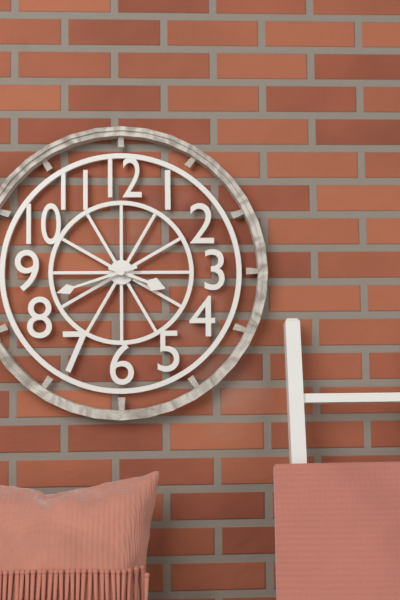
3,42
